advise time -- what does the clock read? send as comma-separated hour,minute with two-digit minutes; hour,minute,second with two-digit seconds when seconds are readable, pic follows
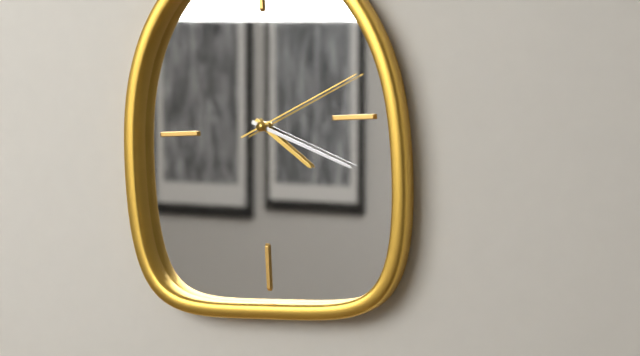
4,19,11
